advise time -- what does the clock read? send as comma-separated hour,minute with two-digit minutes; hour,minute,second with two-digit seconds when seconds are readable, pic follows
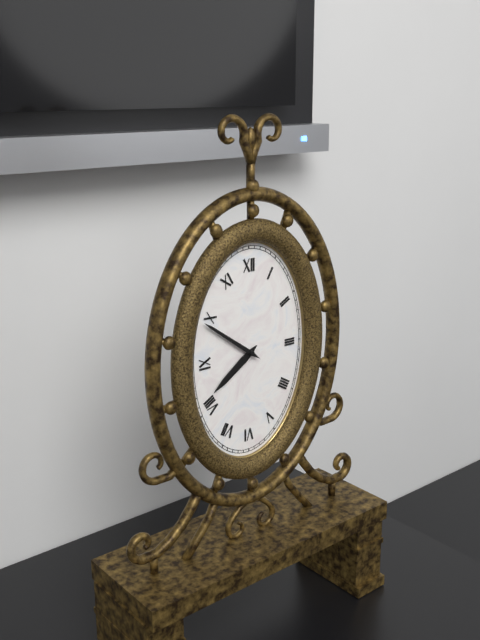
7,51
